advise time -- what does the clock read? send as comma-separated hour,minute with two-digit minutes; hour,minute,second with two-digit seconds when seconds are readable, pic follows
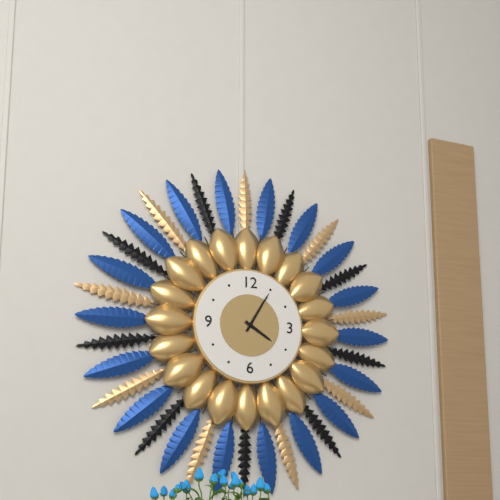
4,05
